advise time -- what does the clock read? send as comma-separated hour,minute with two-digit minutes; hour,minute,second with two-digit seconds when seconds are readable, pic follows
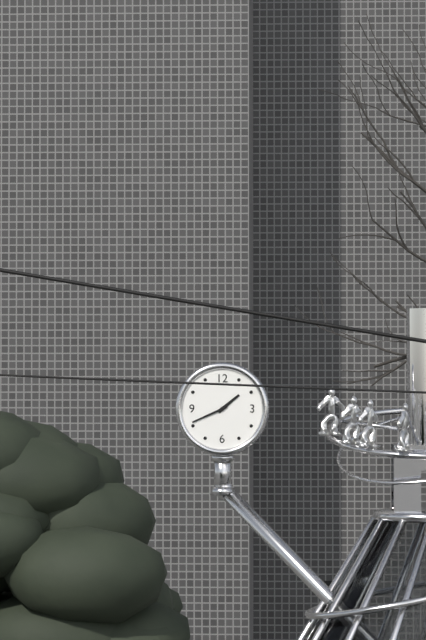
1,41
